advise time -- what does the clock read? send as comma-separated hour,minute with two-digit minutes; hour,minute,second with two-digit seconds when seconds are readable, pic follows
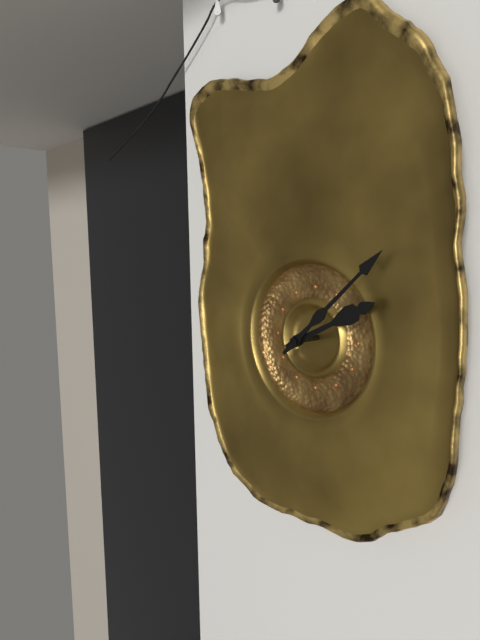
2,08
